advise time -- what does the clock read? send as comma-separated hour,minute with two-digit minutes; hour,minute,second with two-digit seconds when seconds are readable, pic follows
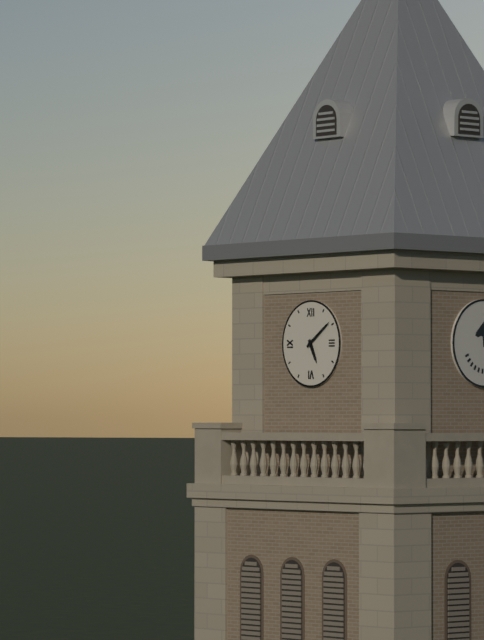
5,09
